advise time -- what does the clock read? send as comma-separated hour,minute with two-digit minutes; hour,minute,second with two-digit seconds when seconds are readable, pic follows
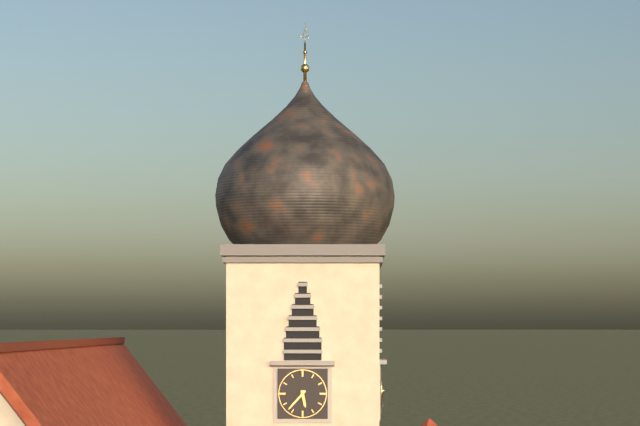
5,37
